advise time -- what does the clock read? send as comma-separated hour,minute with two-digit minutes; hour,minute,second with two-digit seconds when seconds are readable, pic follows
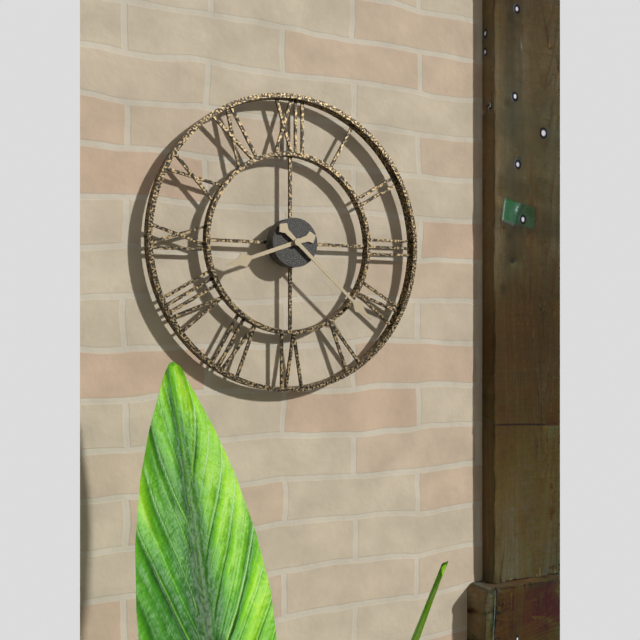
8,22
